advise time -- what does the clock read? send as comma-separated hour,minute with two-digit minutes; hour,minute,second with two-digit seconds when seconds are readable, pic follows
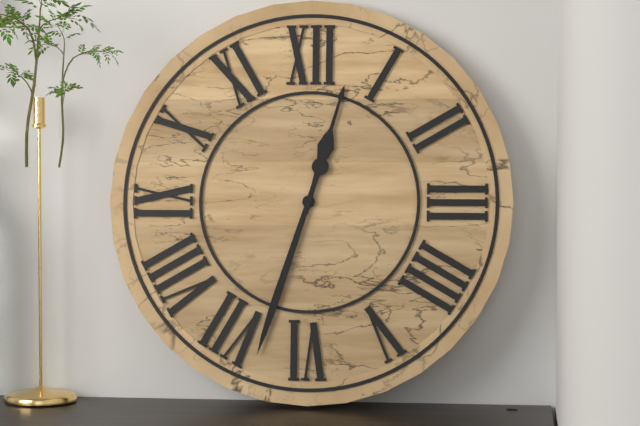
12,33
